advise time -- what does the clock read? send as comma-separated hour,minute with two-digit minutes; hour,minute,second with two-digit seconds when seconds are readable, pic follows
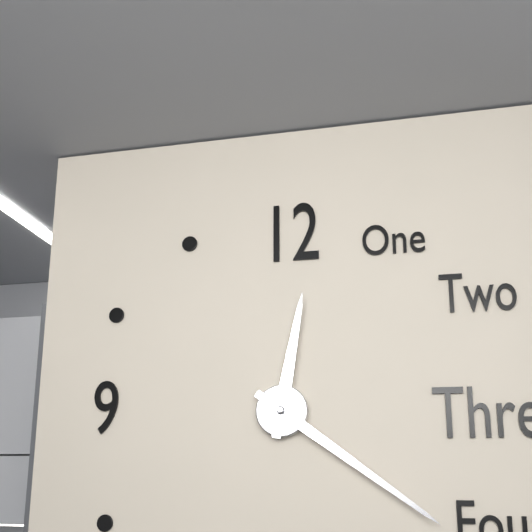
12,21
